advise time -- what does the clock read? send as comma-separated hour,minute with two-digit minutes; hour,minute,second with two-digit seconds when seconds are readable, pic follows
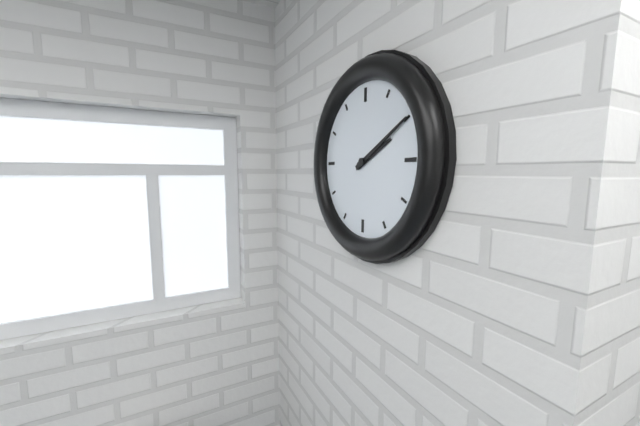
2,10
